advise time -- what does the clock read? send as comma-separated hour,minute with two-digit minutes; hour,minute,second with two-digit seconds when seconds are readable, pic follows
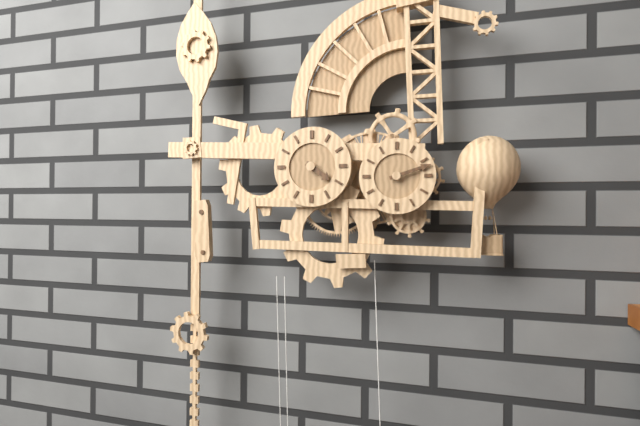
4,12
